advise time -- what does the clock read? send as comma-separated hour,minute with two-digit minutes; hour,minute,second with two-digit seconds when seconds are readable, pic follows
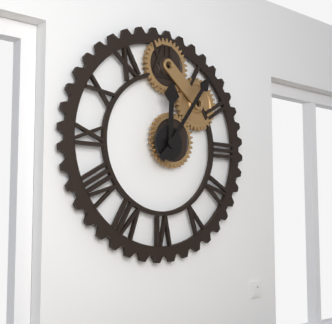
12,06
